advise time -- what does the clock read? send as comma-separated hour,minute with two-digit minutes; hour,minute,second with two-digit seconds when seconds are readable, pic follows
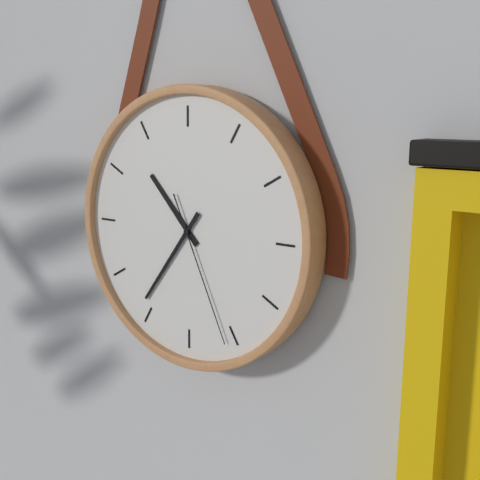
10,36,26
